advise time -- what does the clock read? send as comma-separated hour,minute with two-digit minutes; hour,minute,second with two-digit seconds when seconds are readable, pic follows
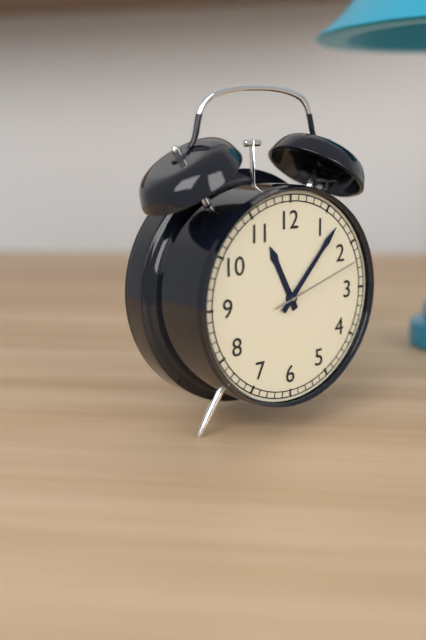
11,07,12
